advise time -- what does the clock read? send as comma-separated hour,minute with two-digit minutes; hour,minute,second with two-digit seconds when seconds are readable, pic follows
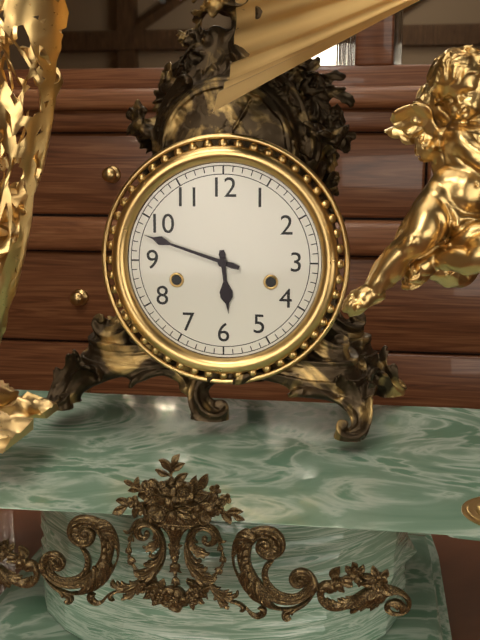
5,48
